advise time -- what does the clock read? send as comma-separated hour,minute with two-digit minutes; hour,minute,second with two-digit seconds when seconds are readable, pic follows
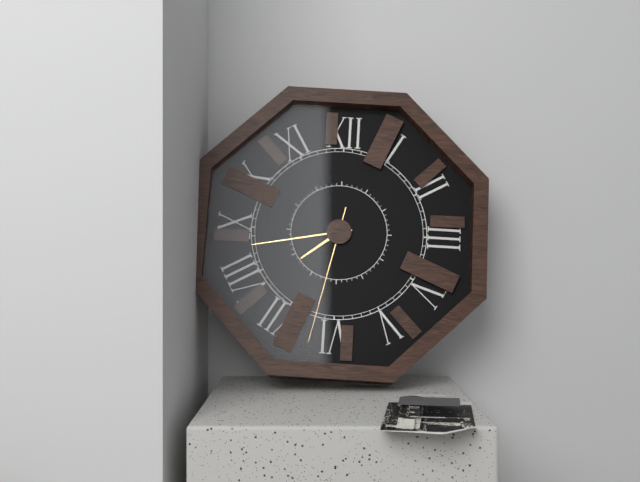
7,43,32
